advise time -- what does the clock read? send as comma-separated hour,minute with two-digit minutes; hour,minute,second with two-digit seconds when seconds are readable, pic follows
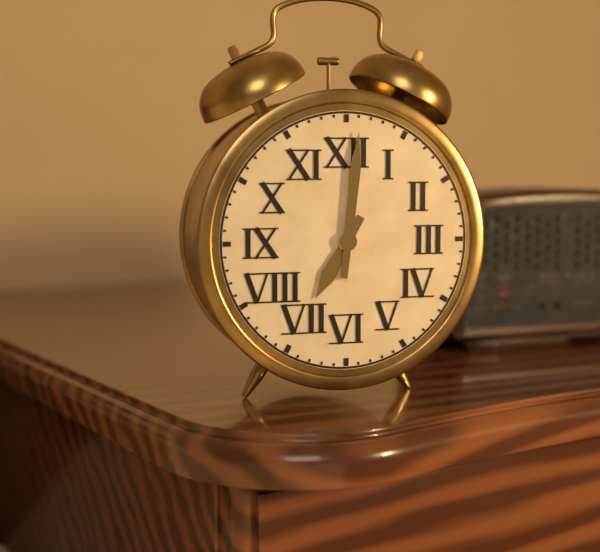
7,01
